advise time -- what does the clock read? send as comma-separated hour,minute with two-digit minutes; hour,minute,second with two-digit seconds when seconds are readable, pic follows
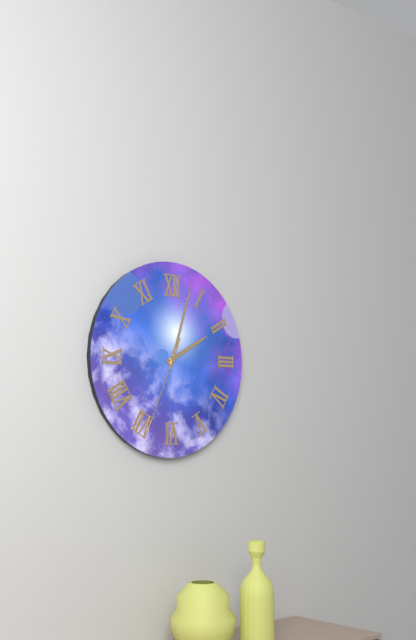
2,03,34
